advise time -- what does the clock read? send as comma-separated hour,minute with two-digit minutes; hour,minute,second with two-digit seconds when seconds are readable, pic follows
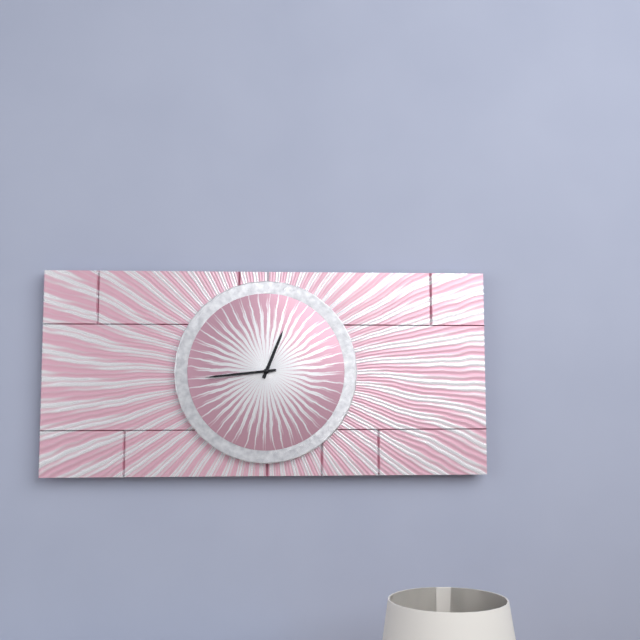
12,44
